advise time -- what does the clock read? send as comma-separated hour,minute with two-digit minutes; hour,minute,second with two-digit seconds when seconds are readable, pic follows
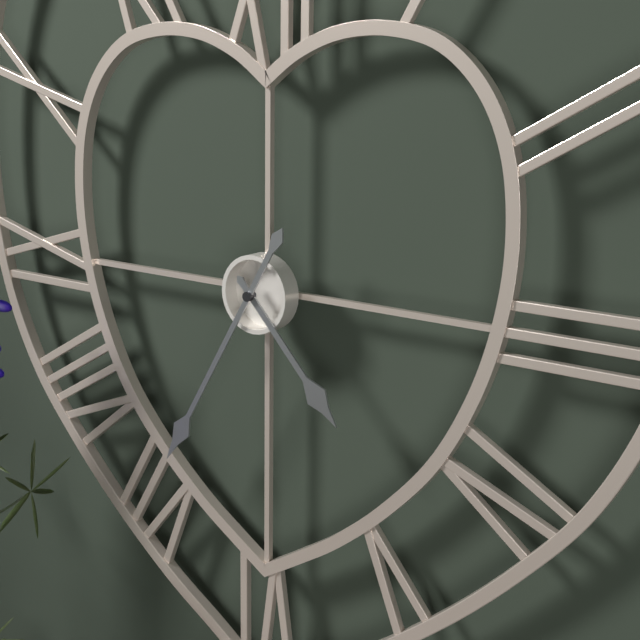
4,35
